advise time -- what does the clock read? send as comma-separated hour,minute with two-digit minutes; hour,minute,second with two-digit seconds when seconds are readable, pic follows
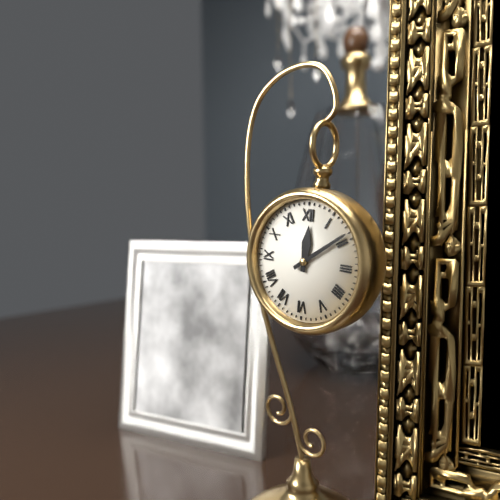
12,09
